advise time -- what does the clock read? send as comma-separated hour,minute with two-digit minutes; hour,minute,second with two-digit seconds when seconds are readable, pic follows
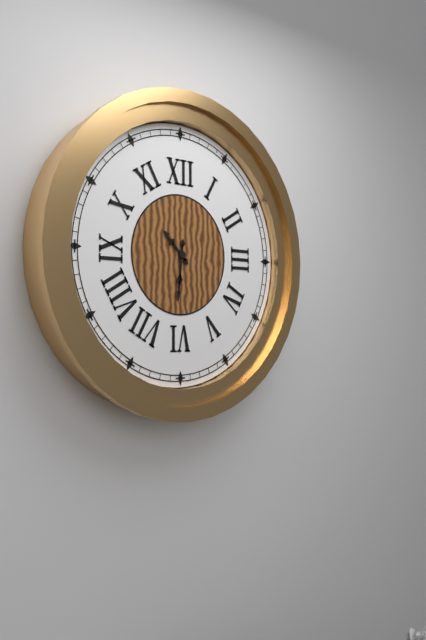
10,31
